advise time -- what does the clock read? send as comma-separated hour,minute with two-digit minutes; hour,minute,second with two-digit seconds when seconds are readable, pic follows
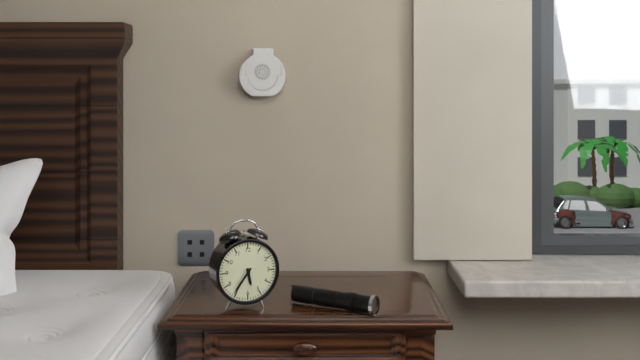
5,36
